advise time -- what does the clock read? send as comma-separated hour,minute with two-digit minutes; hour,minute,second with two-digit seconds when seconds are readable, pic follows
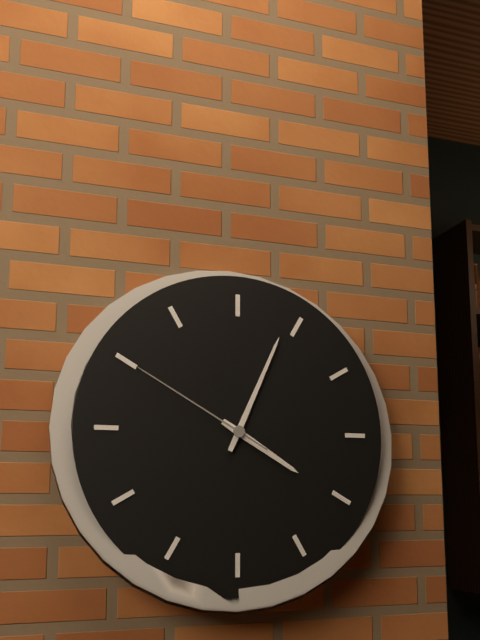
4,04,50
